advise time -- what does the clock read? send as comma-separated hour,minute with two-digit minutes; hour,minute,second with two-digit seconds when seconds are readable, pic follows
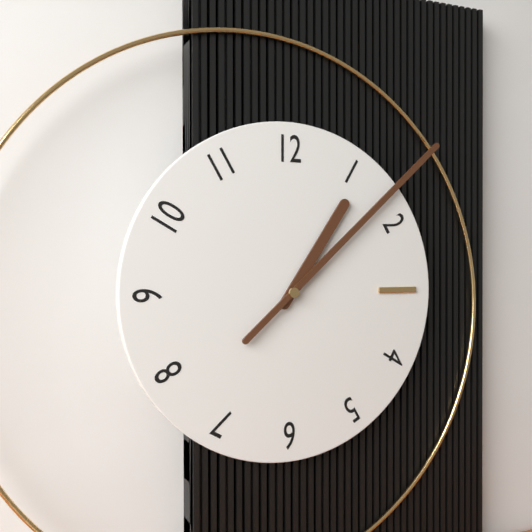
1,08
